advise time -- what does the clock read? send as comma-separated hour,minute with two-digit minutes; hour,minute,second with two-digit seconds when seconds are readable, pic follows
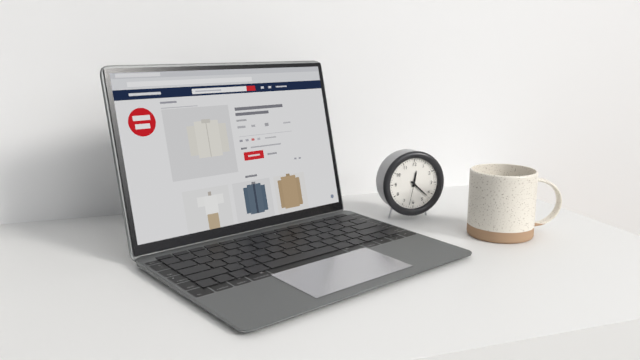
12,22
